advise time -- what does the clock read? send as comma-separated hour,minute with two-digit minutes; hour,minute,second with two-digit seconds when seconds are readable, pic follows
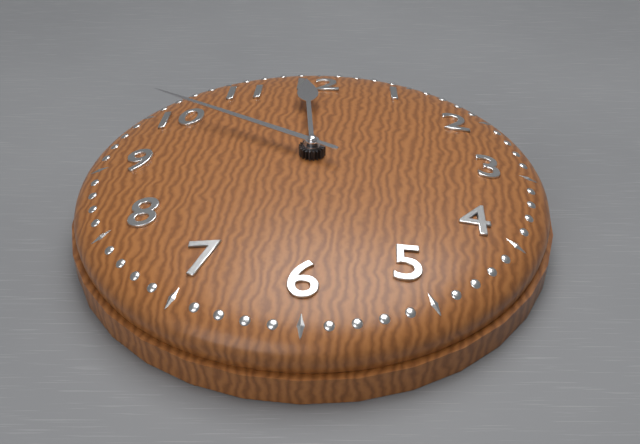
11,50
